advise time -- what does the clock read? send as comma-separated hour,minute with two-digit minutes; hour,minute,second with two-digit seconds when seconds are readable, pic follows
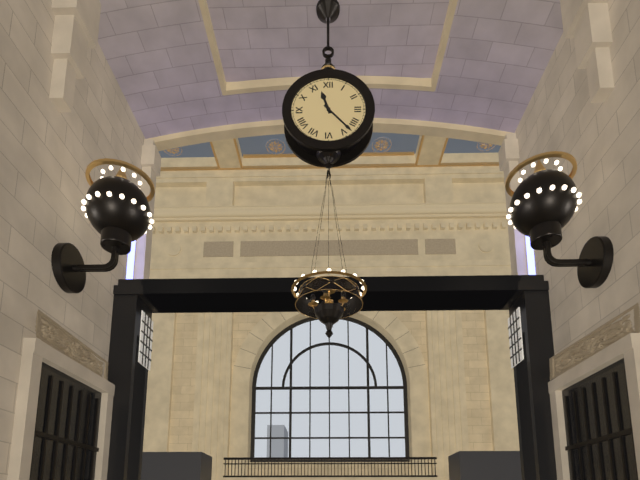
11,23
